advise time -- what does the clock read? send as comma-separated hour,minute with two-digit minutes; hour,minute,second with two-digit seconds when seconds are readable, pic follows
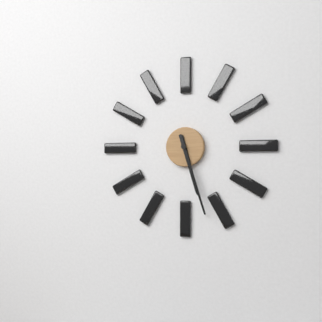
5,27
